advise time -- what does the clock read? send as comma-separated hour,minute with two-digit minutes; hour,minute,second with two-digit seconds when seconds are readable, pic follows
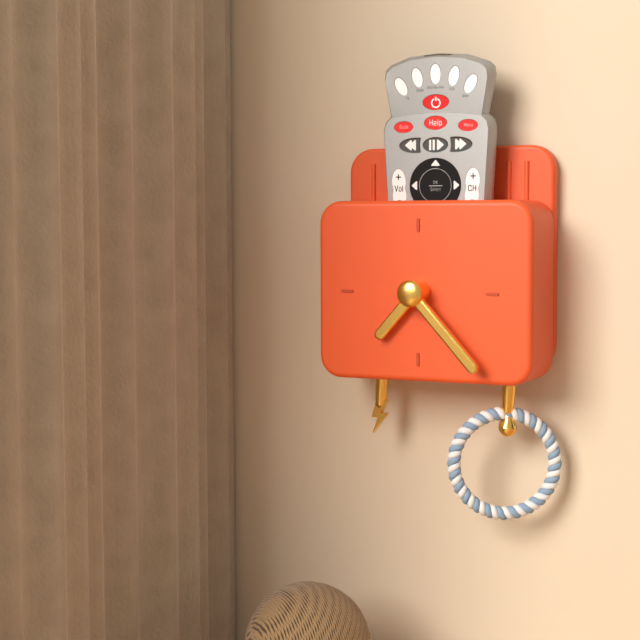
7,23
